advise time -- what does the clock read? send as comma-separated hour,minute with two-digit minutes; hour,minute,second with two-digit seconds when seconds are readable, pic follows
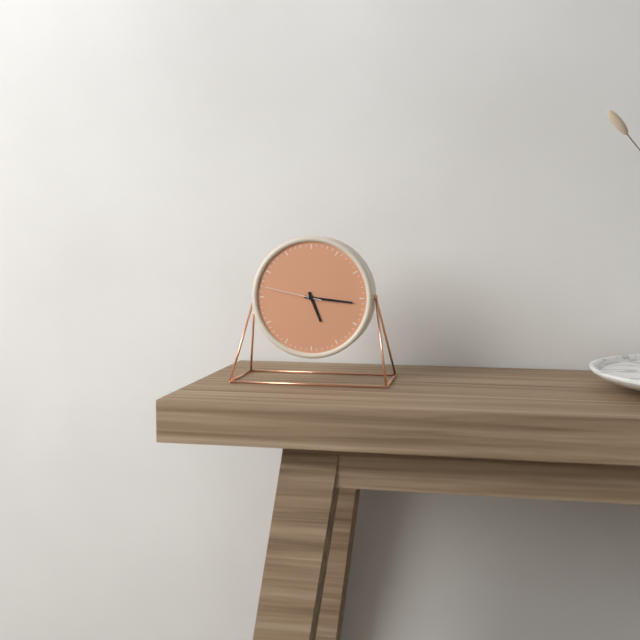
5,16,47
